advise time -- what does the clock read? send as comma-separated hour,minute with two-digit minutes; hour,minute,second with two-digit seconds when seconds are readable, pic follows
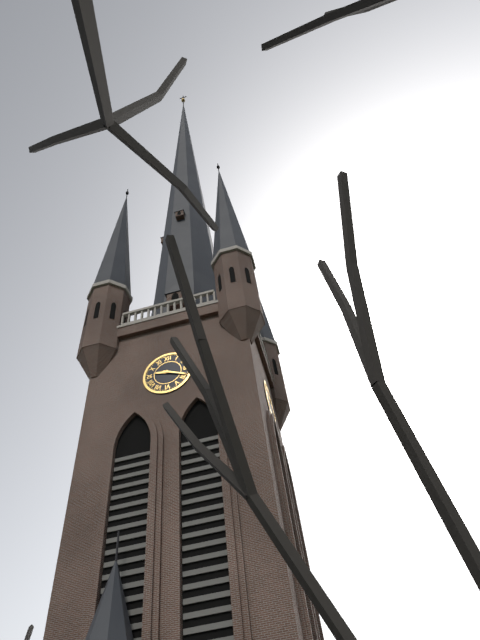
9,19
